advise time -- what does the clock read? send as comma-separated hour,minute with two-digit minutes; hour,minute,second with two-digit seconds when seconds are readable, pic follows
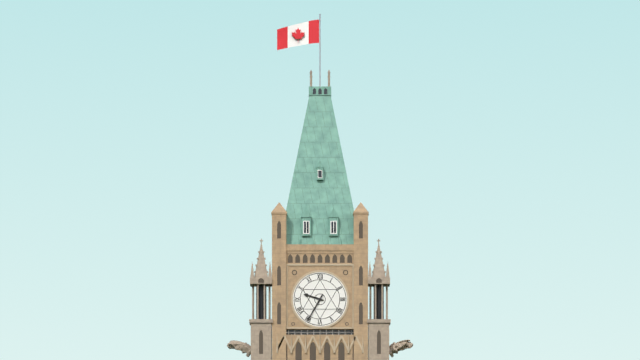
9,35
